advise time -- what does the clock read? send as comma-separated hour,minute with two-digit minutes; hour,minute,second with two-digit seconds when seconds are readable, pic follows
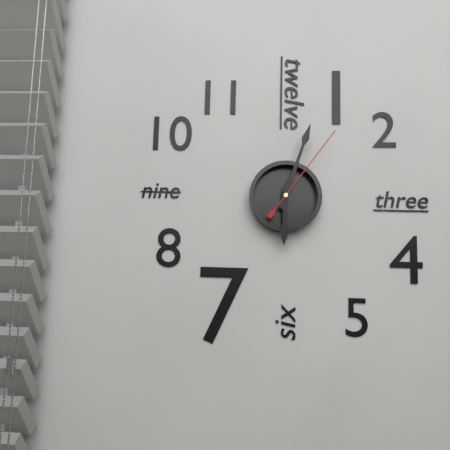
6,03,06
